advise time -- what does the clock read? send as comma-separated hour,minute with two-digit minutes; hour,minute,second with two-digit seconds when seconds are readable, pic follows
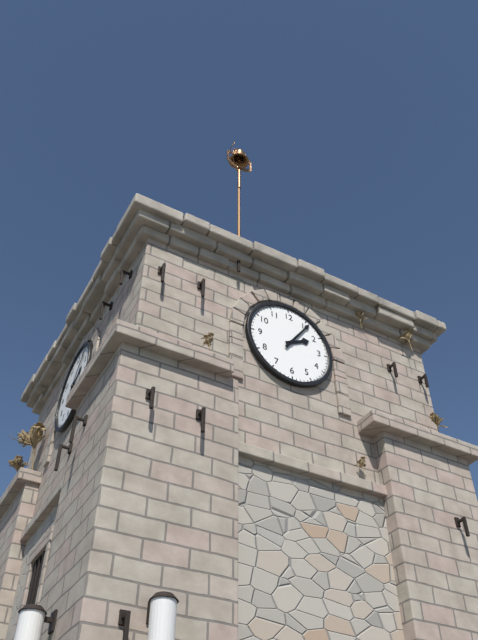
2,06
